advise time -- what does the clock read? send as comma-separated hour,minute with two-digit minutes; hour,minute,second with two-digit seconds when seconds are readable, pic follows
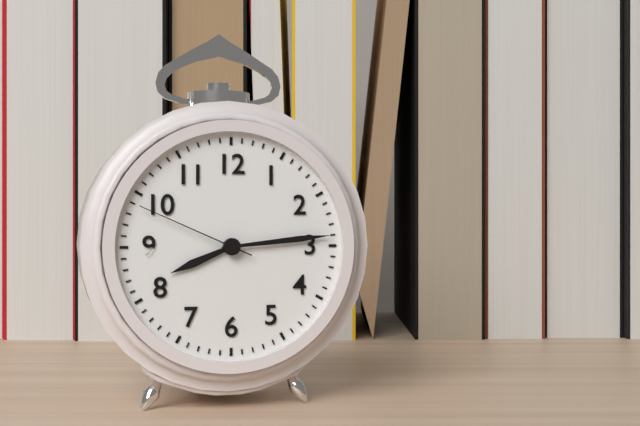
8,14,49
